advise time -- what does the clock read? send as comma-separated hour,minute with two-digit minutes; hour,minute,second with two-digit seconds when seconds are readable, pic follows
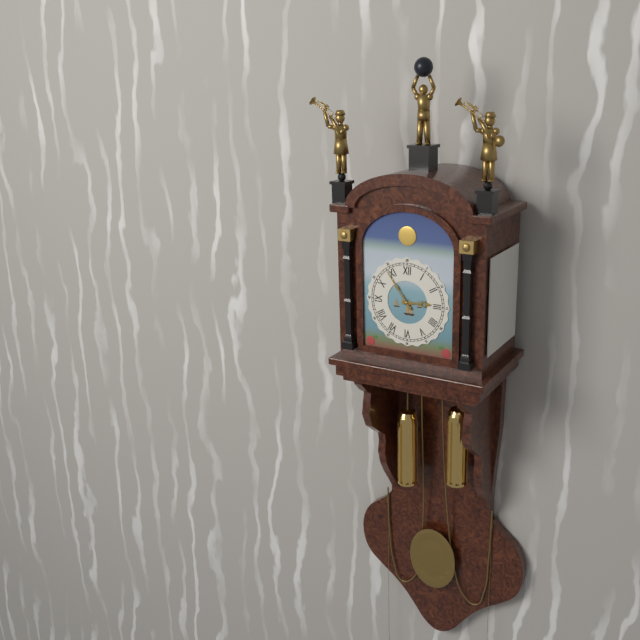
2,54
